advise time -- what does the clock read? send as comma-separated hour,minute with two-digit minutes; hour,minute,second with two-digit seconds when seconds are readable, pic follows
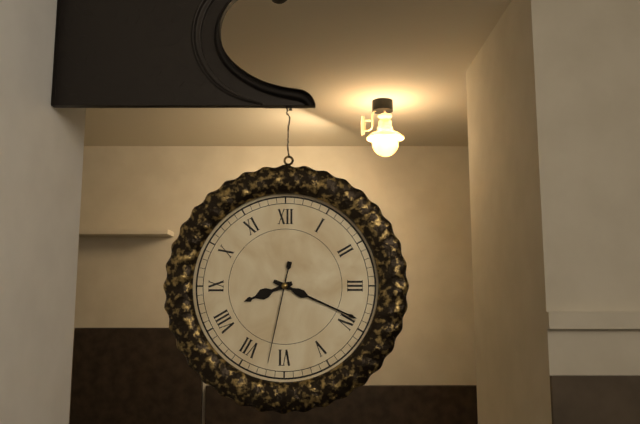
8,19,32
